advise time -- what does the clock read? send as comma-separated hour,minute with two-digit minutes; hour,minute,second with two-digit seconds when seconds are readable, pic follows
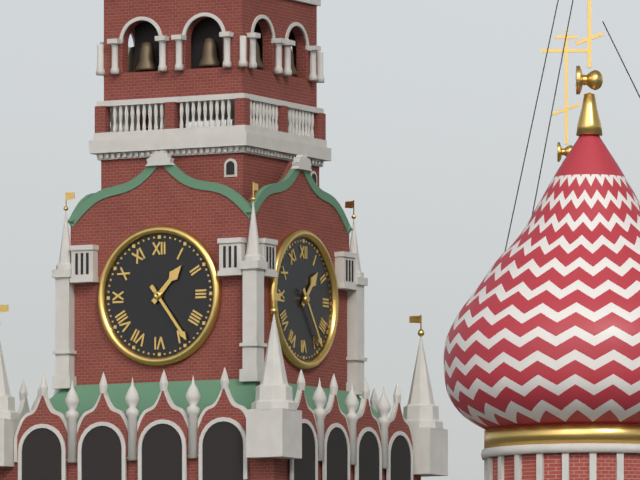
1,24
